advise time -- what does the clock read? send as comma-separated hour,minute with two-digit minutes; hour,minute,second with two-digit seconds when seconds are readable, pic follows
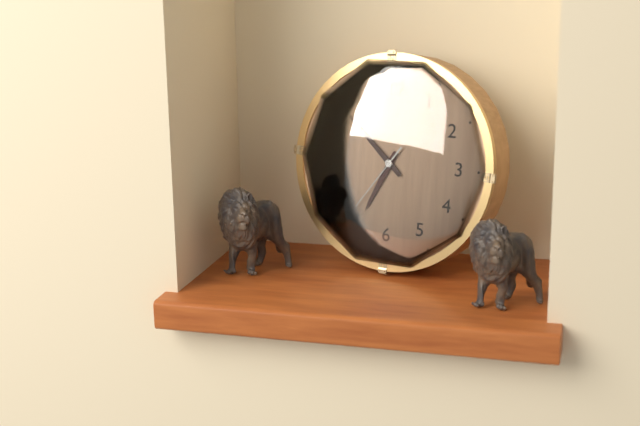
6,52,36
